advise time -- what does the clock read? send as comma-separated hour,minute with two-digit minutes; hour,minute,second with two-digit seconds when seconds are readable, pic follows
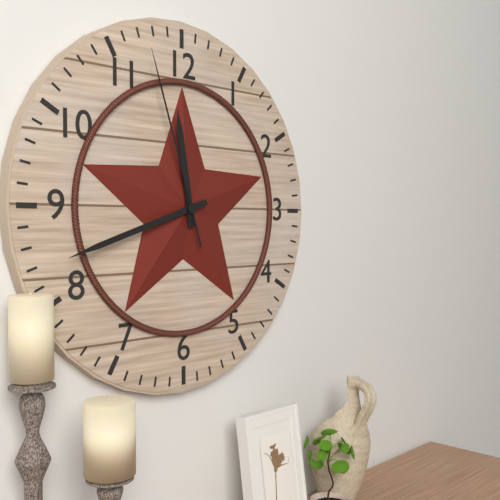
11,42,57
